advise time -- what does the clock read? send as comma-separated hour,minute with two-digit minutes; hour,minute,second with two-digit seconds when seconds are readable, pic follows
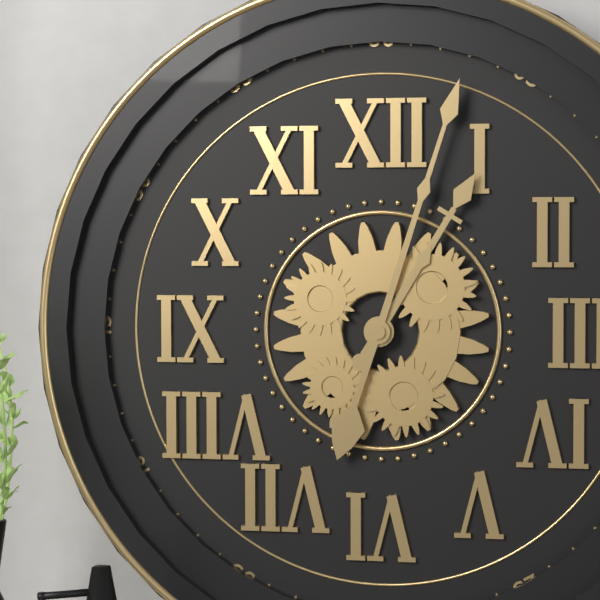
1,03
